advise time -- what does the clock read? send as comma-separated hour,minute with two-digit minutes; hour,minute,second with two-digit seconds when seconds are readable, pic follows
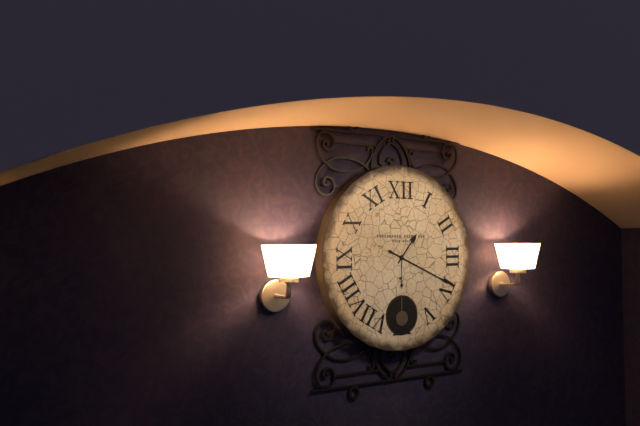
1,19
